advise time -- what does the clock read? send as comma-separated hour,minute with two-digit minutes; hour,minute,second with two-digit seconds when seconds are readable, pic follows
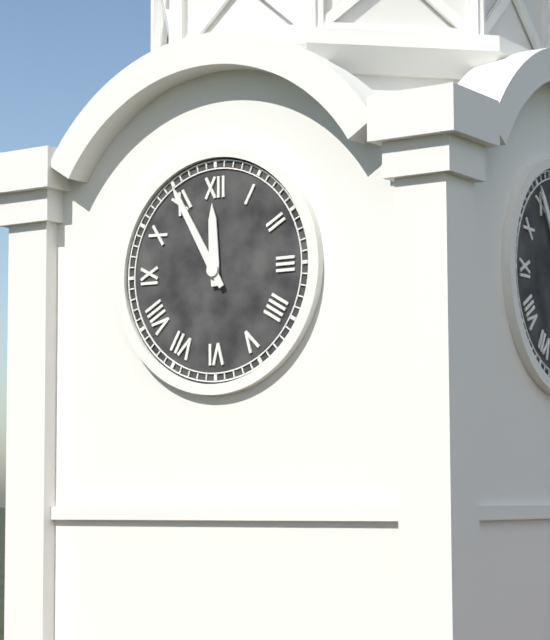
11,55
